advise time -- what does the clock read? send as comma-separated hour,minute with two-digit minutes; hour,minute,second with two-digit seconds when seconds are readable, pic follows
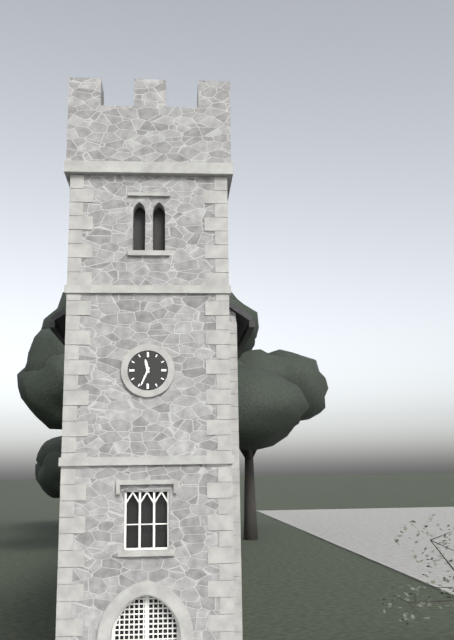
11,34
